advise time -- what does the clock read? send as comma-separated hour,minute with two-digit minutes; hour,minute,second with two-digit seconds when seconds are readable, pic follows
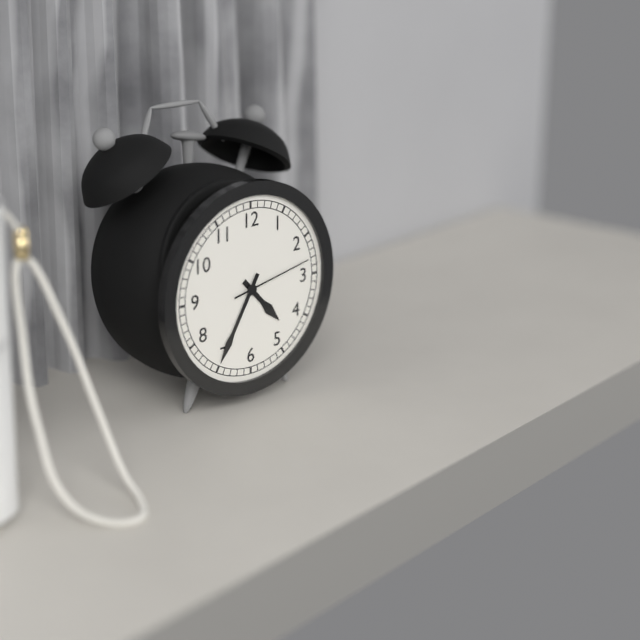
4,35,13
